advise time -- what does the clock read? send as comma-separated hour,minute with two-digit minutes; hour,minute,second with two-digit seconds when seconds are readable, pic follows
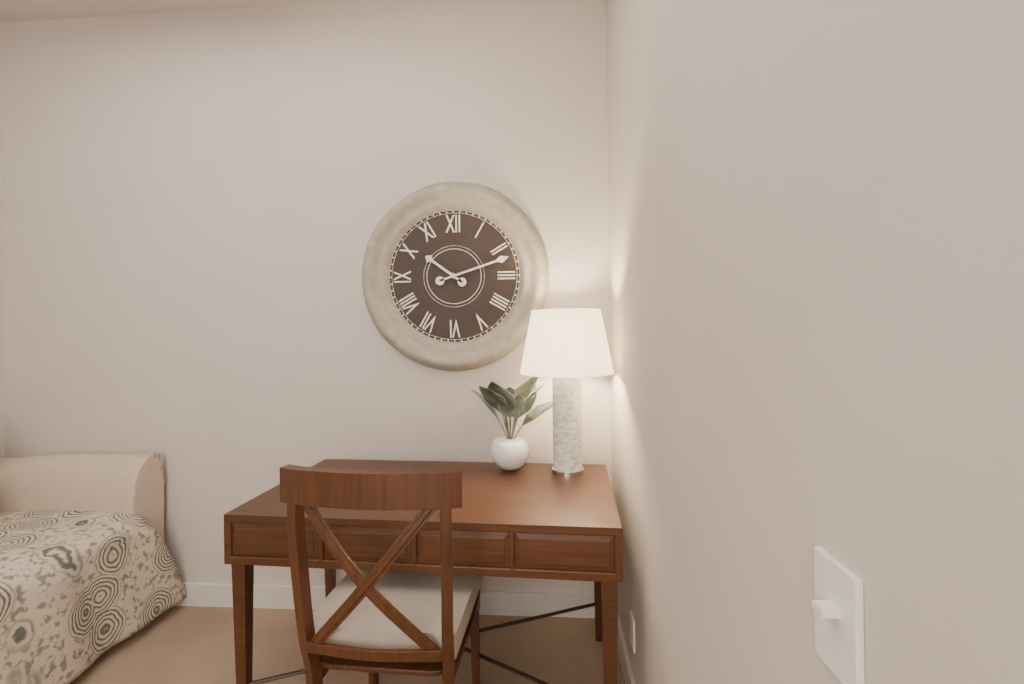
10,12
